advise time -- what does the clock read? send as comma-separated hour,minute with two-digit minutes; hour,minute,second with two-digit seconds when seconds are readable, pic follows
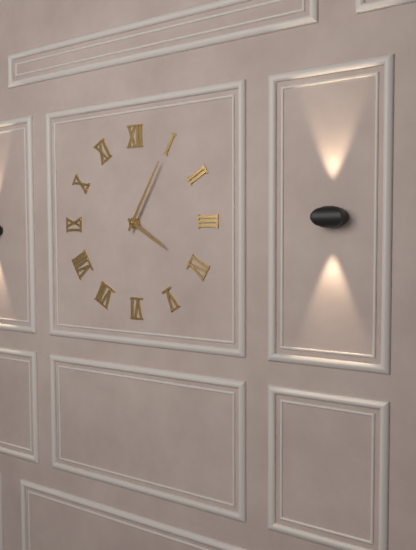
4,05
